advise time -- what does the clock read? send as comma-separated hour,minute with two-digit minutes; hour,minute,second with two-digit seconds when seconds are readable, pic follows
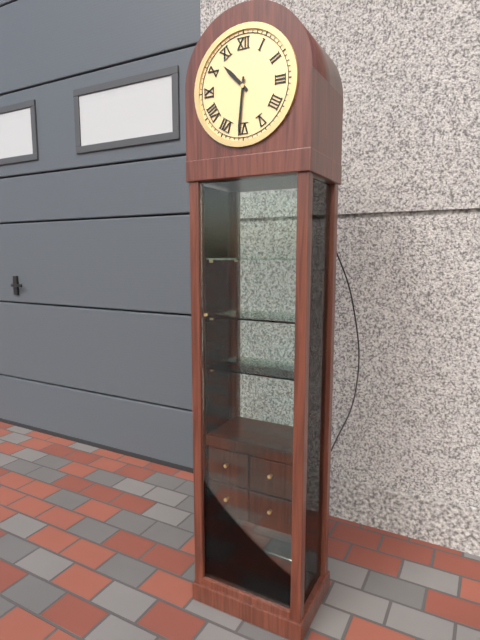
10,31
